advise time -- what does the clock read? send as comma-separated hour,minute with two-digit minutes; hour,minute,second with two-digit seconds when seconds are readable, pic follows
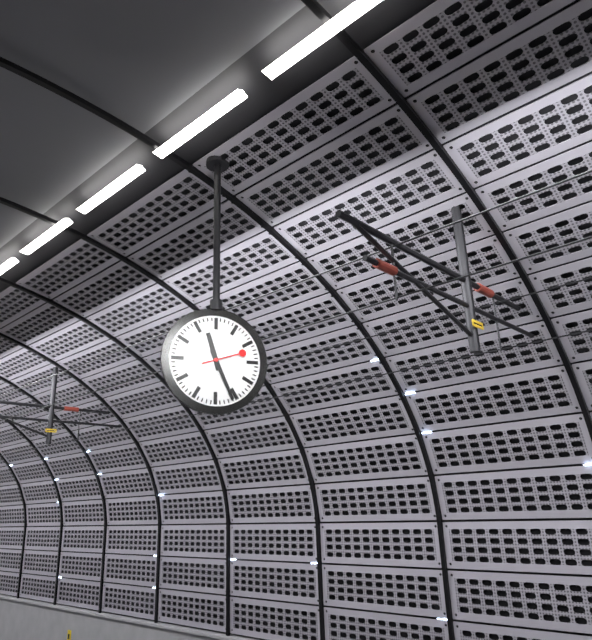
11,26
